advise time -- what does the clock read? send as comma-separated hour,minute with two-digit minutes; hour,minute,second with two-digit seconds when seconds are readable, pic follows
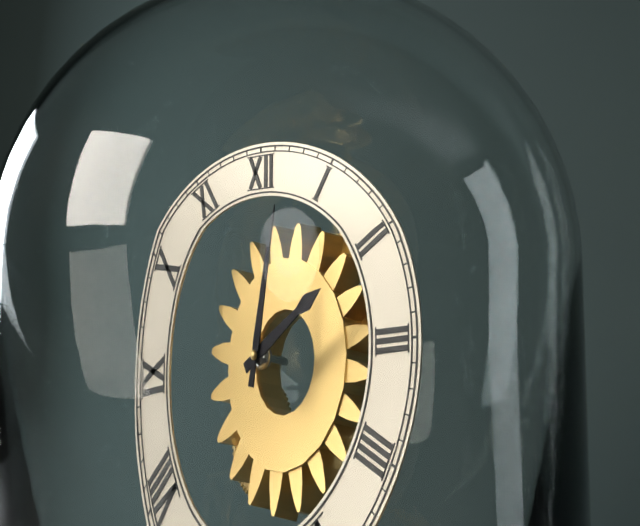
2,02
